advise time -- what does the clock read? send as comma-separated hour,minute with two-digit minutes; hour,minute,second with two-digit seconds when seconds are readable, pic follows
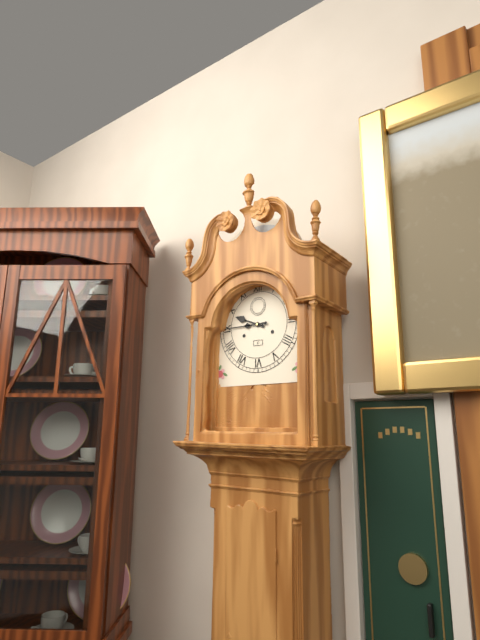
9,45
